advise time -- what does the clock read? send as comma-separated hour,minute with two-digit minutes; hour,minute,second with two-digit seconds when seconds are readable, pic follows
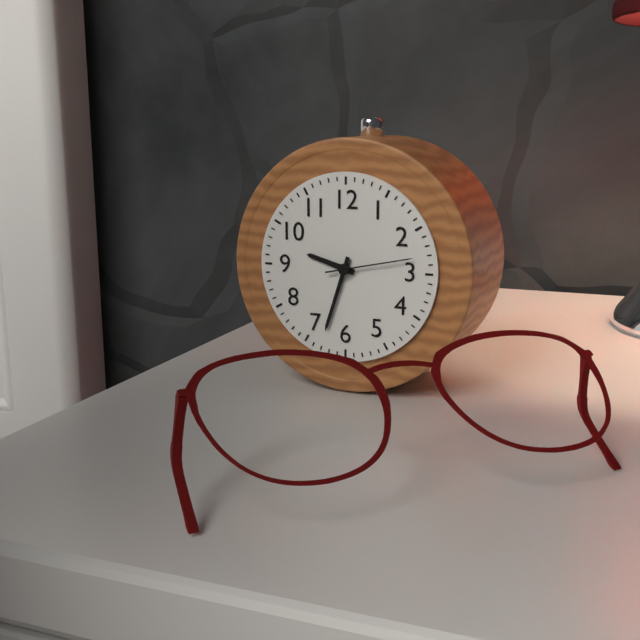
9,33,13
